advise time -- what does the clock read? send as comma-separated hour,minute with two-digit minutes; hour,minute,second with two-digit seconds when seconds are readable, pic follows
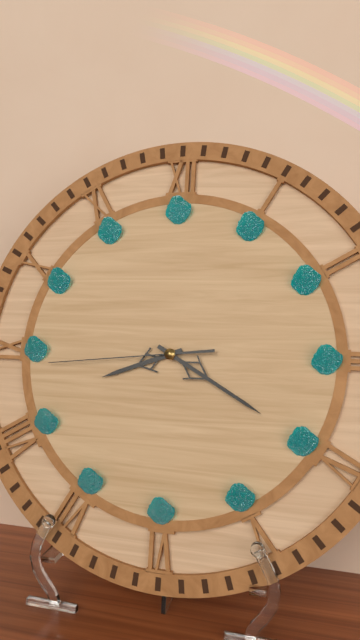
8,20,44
